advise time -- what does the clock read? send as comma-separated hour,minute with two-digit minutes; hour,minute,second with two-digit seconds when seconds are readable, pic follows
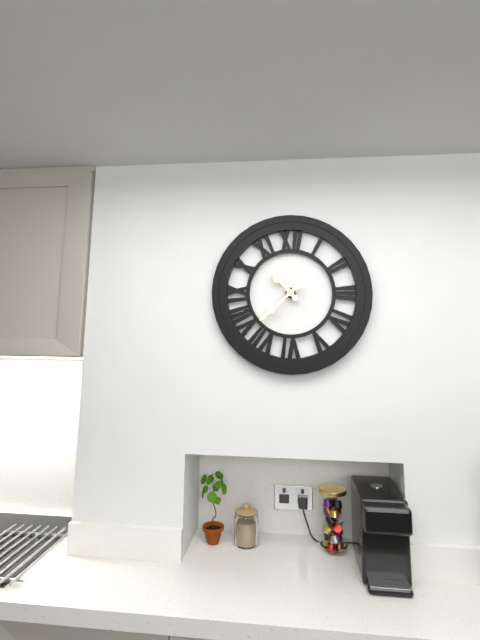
10,38
